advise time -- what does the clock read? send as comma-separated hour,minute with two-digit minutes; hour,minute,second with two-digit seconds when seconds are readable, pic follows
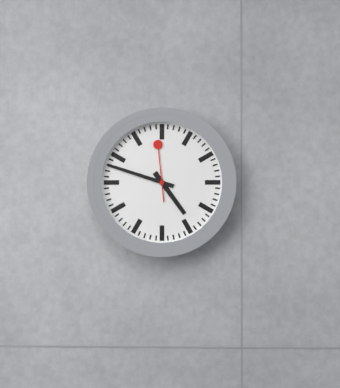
4,48,59
